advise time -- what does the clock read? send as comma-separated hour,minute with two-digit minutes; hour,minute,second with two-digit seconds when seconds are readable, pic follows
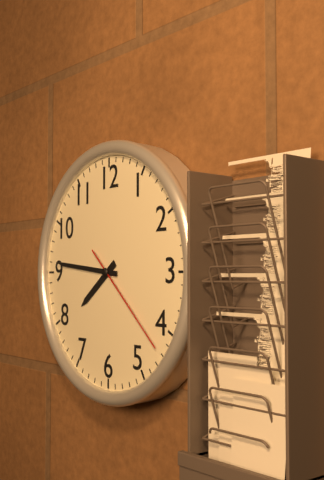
7,46,22
